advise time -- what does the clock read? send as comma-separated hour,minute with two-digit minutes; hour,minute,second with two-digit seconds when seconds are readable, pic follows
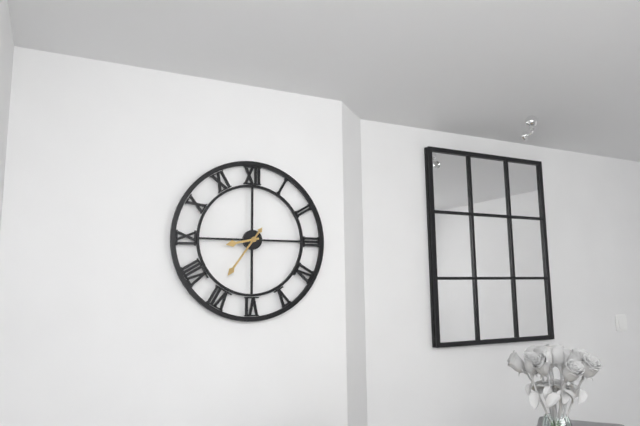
8,36
